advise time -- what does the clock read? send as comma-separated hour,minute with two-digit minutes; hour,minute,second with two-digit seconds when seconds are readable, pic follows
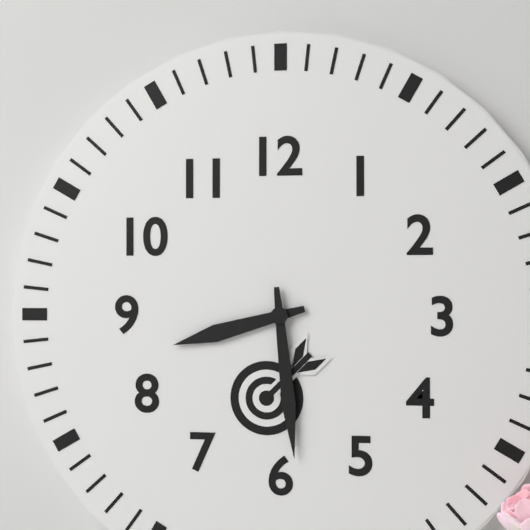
8,29
